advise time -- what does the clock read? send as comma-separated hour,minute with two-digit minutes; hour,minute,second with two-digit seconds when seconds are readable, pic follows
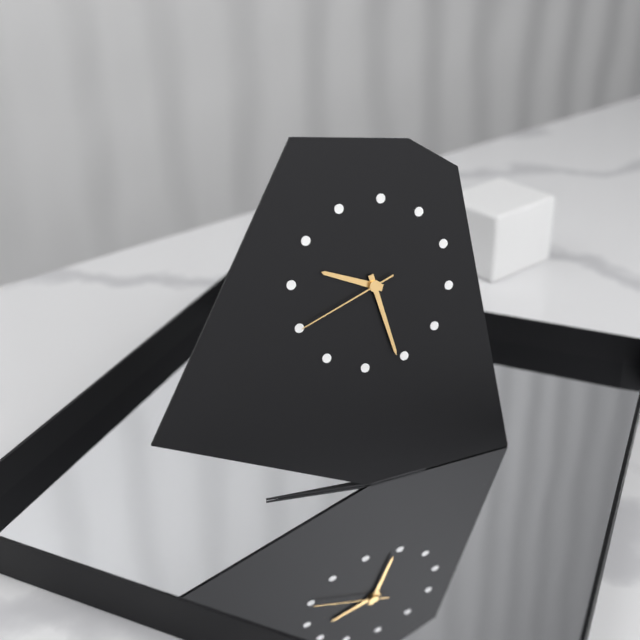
9,26,40
